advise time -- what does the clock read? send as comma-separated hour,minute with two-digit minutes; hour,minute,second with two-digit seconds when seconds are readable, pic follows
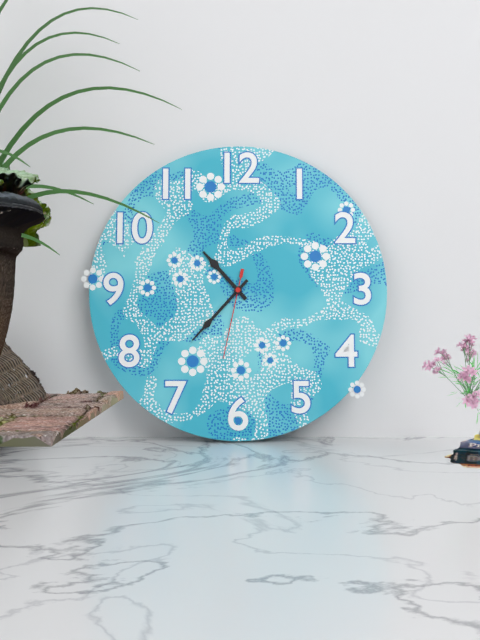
10,37,32
